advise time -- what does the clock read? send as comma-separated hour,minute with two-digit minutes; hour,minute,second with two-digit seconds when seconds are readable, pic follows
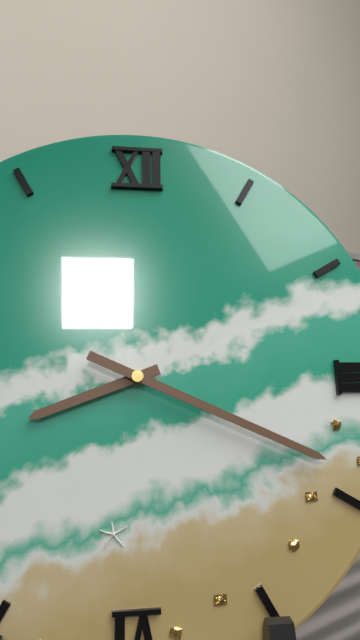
8,19
